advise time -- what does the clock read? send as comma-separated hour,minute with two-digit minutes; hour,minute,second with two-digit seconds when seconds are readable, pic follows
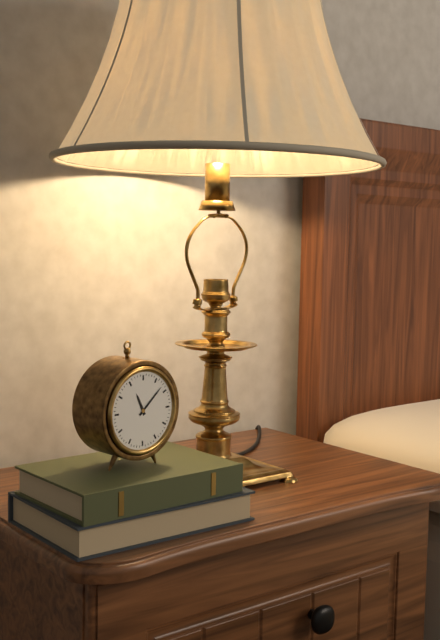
11,08
